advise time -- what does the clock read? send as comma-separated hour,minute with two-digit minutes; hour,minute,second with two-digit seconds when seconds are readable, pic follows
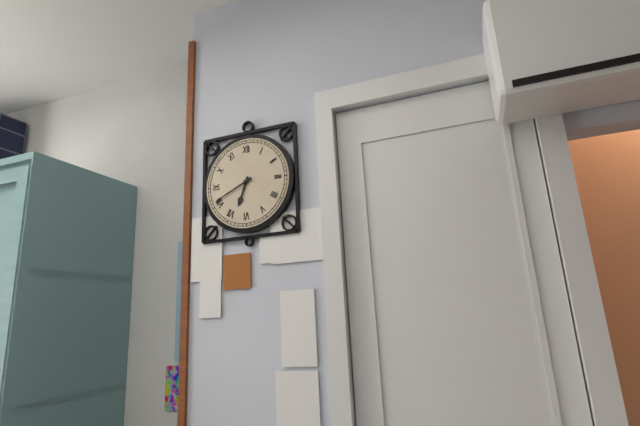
6,41
